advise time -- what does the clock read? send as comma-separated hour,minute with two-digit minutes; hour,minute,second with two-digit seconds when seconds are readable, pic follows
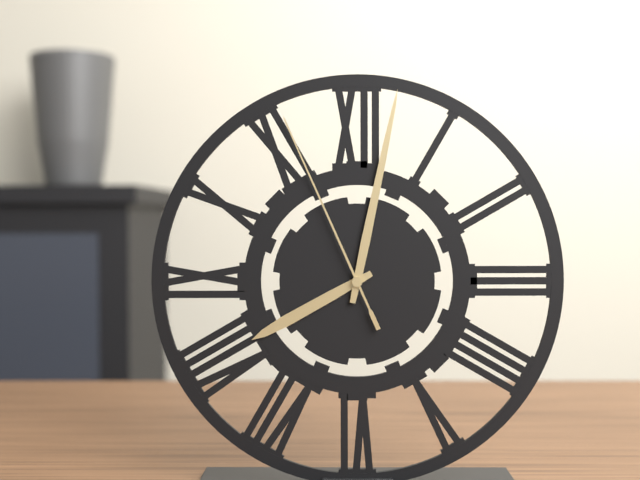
8,02,56
